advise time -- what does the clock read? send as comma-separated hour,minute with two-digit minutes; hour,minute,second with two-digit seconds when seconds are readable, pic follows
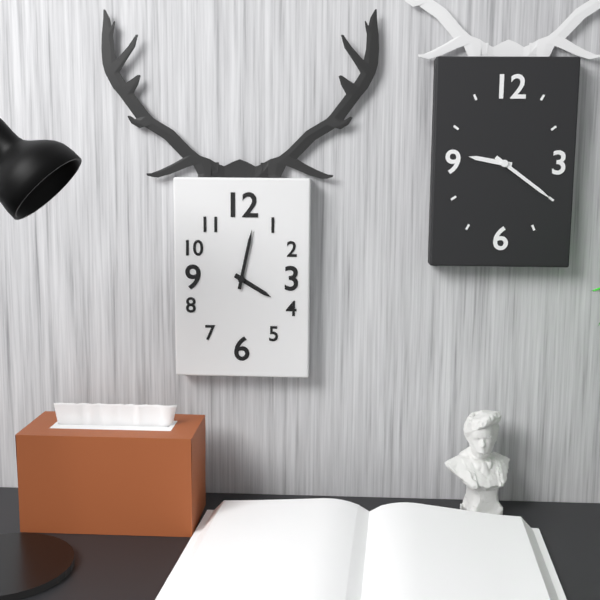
4,02
